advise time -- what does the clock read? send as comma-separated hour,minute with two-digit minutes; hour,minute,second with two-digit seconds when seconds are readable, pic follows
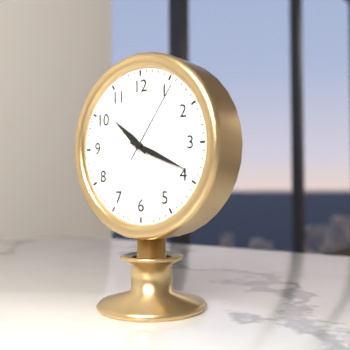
10,19,06
